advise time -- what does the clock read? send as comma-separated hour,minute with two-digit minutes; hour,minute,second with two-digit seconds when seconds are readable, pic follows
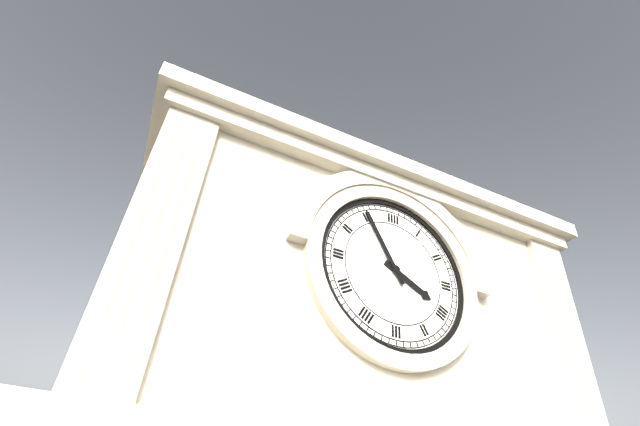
3,55
